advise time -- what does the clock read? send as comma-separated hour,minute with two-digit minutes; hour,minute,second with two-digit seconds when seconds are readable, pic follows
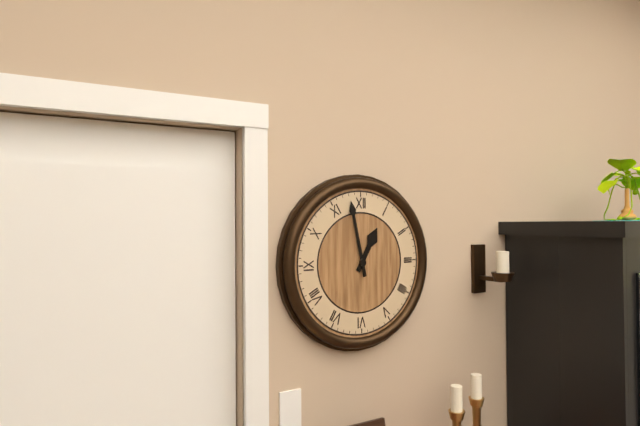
12,58
